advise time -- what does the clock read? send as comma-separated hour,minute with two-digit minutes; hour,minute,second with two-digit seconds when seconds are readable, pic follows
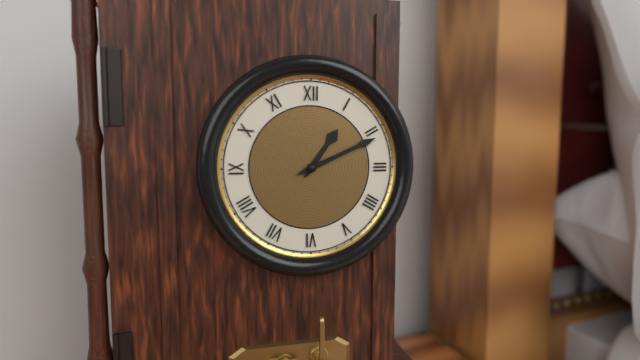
1,11
